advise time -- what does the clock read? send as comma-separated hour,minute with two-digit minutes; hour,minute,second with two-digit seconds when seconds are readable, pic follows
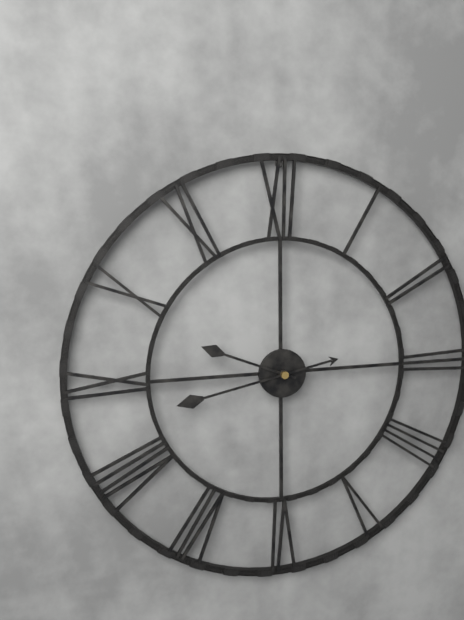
9,43
